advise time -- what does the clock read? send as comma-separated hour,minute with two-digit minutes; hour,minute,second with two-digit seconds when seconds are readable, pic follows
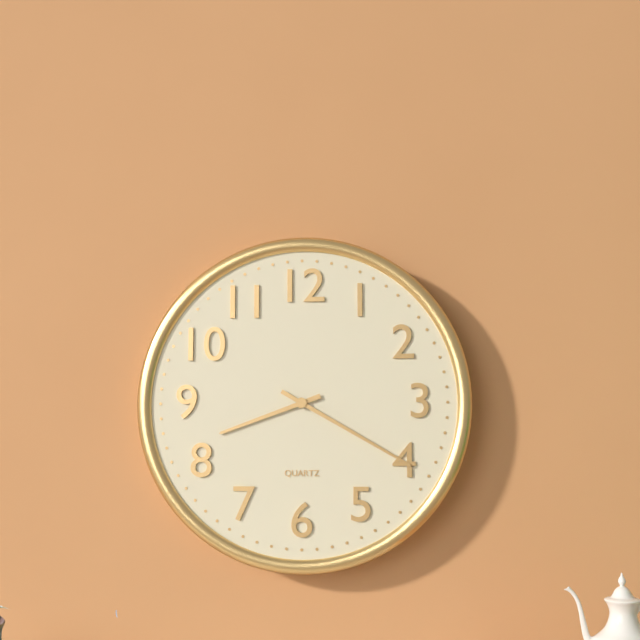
8,20
